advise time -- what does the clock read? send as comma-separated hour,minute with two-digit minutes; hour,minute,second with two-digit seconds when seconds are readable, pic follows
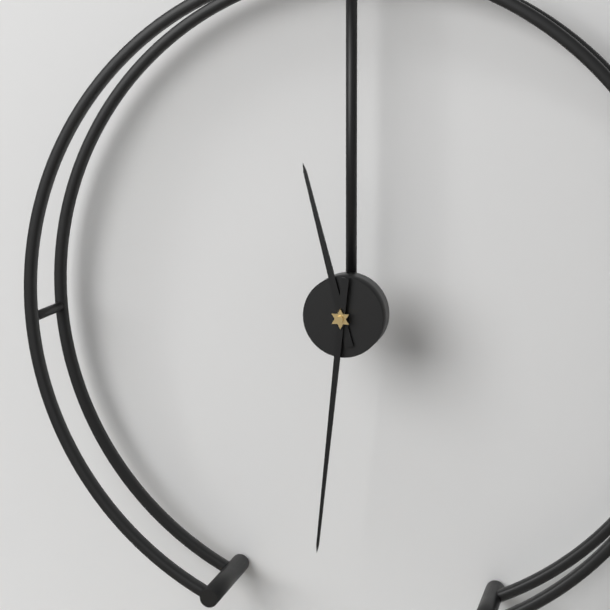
11,31
